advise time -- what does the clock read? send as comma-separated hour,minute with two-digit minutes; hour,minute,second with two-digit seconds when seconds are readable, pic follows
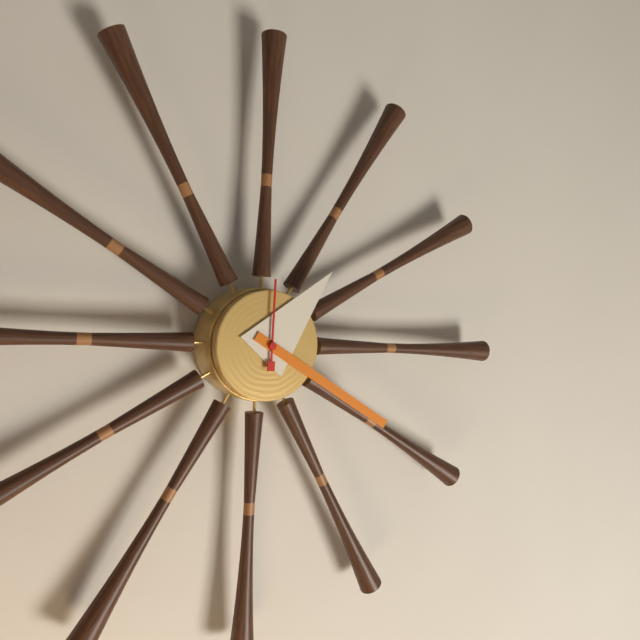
1,20,00
